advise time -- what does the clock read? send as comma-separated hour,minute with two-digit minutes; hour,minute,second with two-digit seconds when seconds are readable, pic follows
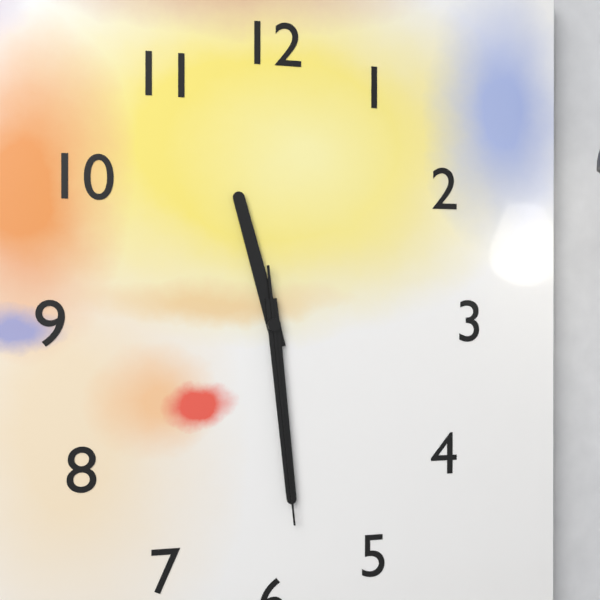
11,29,29
